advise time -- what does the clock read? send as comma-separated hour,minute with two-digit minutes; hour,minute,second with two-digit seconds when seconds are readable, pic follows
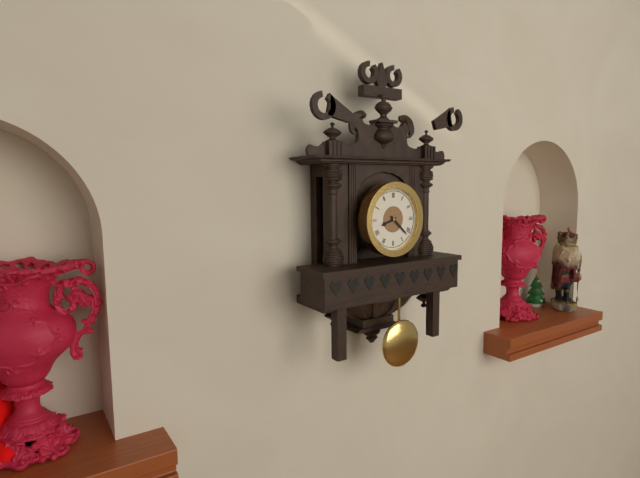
8,22
